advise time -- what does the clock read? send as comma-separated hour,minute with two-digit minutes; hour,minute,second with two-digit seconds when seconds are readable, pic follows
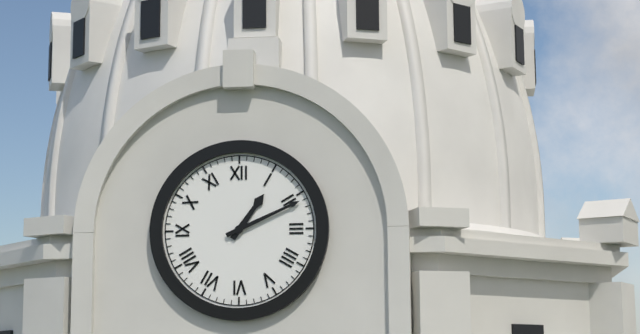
1,11
